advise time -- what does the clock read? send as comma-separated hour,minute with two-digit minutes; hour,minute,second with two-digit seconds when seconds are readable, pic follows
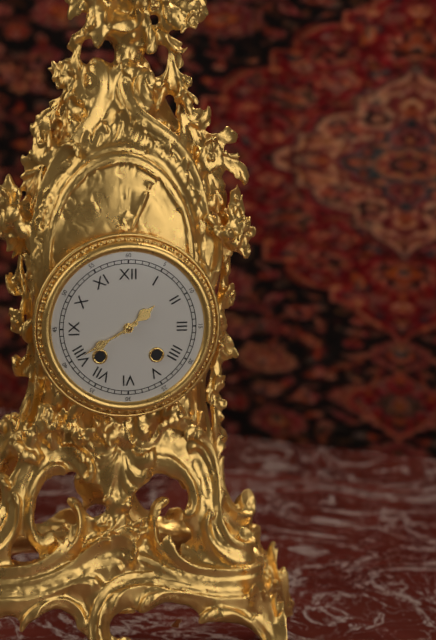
1,40
